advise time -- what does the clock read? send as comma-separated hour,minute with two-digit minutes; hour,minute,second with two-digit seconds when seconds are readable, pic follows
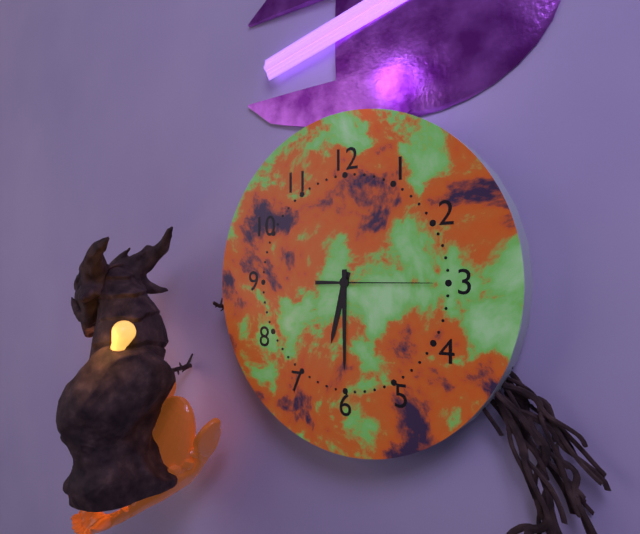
6,30,15
